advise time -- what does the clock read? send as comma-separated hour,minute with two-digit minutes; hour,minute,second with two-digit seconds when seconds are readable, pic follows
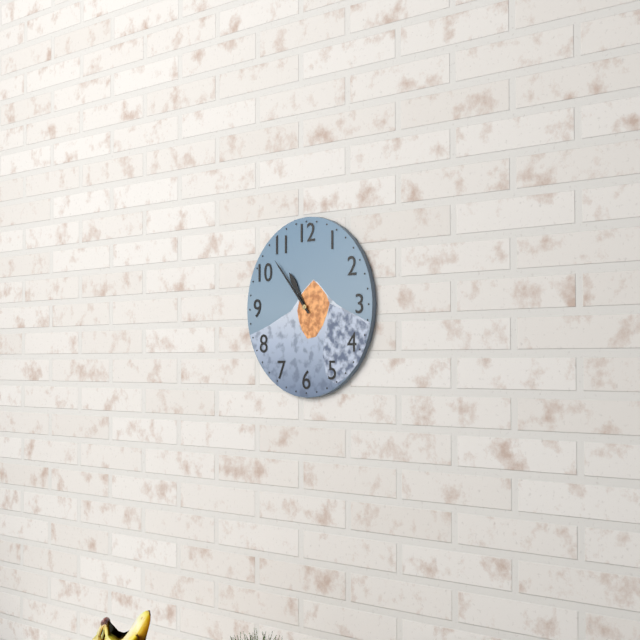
10,53
